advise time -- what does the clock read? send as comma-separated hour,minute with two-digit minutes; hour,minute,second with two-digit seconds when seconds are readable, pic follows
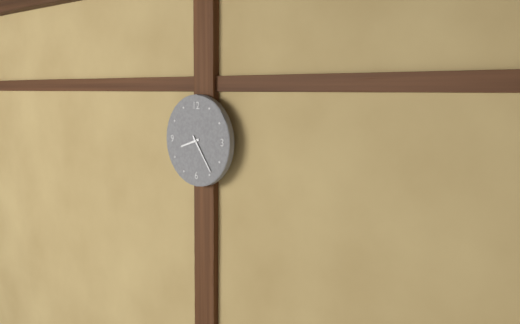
8,24
